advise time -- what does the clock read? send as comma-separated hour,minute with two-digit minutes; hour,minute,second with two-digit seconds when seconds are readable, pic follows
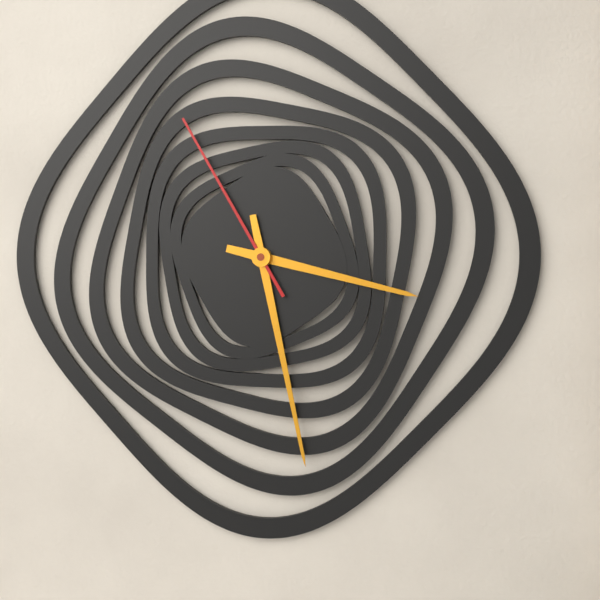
3,28,55
